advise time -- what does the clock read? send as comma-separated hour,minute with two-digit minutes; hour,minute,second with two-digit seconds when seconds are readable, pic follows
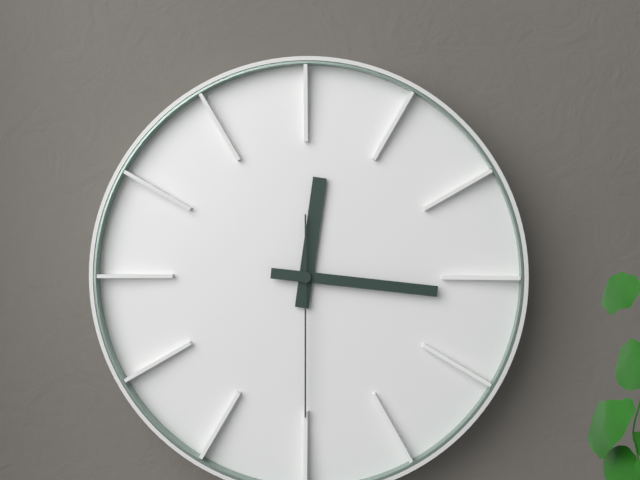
12,16,30
